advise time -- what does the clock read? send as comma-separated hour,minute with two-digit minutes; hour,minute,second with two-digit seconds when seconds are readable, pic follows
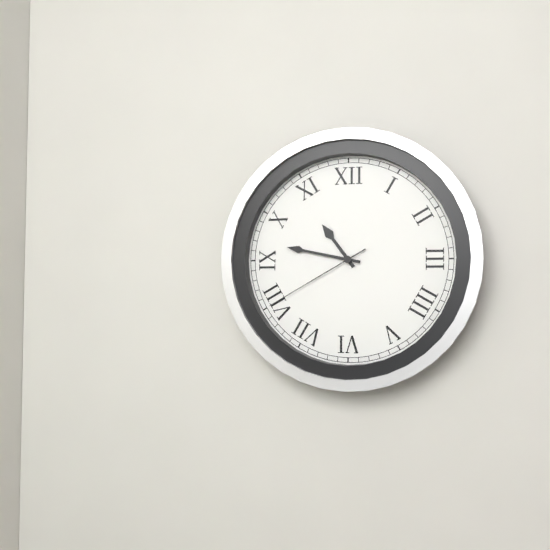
10,47,40
